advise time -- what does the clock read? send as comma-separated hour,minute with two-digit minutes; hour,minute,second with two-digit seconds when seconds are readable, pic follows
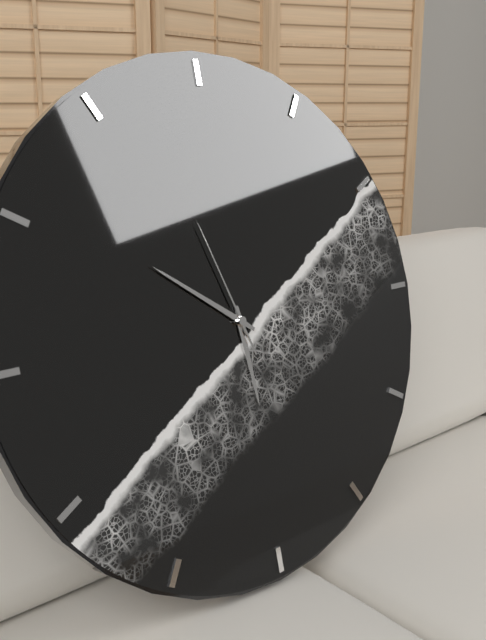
5,51,57
